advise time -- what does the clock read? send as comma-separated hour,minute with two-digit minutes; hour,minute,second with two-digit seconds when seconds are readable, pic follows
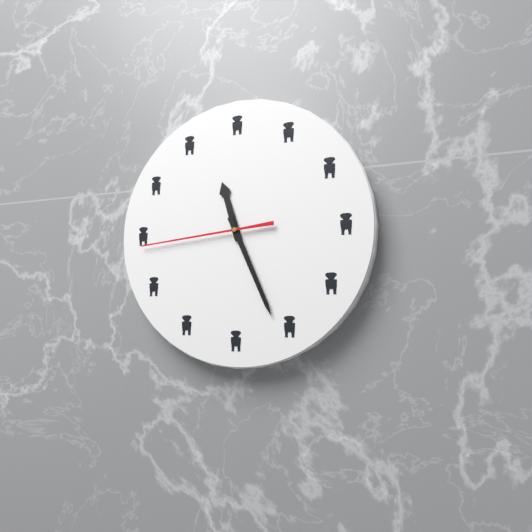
11,26,44
